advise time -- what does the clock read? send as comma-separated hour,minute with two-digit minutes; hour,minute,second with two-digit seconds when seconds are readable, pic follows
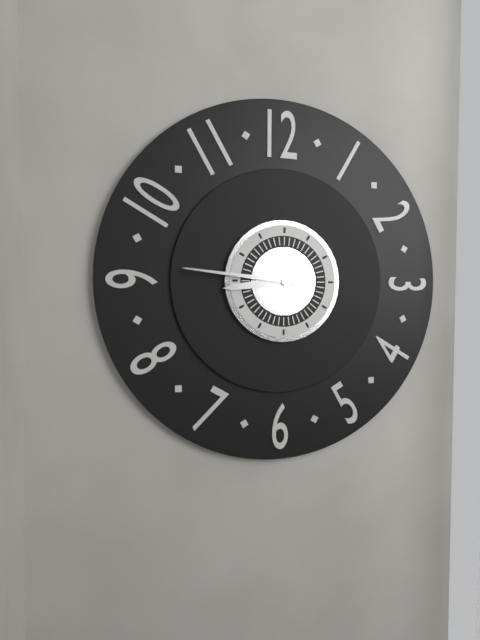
8,46
